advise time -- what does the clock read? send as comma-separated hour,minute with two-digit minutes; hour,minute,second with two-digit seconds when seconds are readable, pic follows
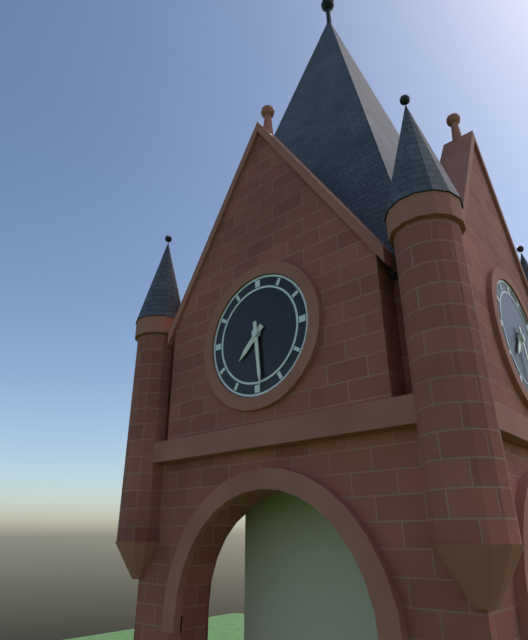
7,29
